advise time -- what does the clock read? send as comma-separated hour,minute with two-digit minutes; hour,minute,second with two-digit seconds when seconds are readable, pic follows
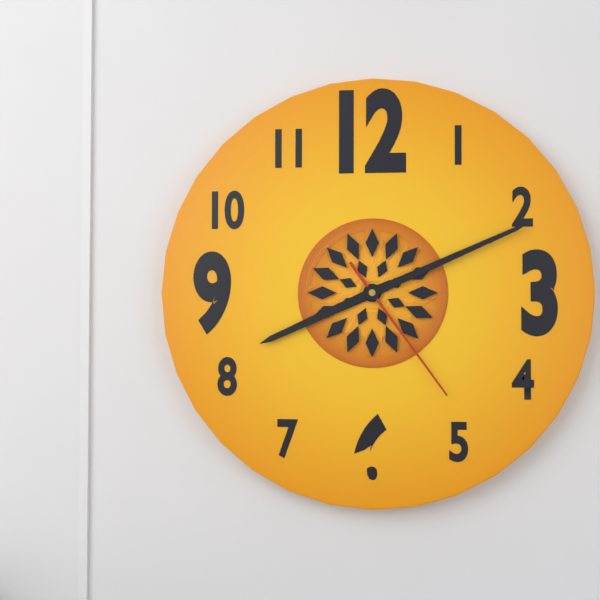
8,11,24
